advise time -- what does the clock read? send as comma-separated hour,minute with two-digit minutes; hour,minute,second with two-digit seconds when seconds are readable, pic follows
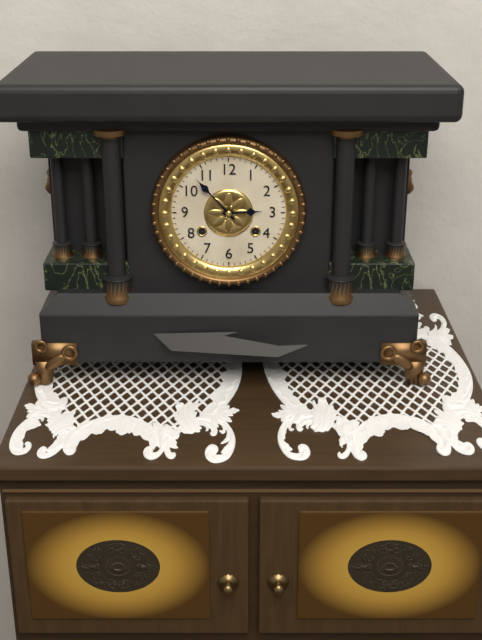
2,53
